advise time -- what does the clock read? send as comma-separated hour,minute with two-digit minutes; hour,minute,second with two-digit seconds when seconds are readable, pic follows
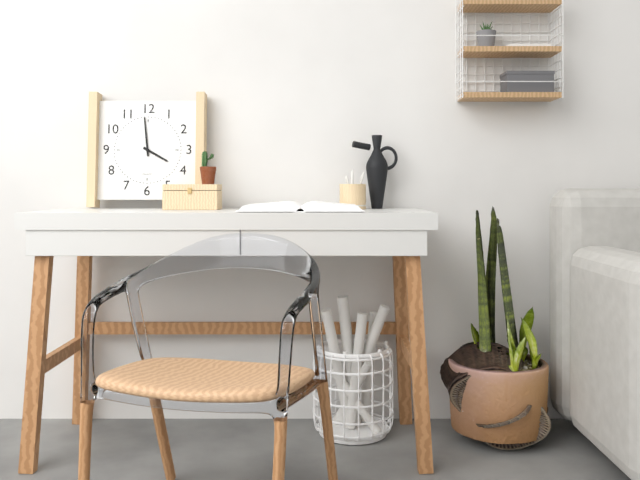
3,59
